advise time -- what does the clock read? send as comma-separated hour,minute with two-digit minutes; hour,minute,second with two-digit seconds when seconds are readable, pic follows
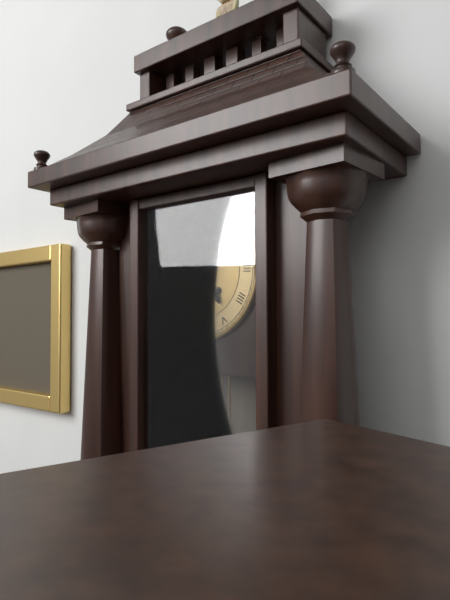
4,47
